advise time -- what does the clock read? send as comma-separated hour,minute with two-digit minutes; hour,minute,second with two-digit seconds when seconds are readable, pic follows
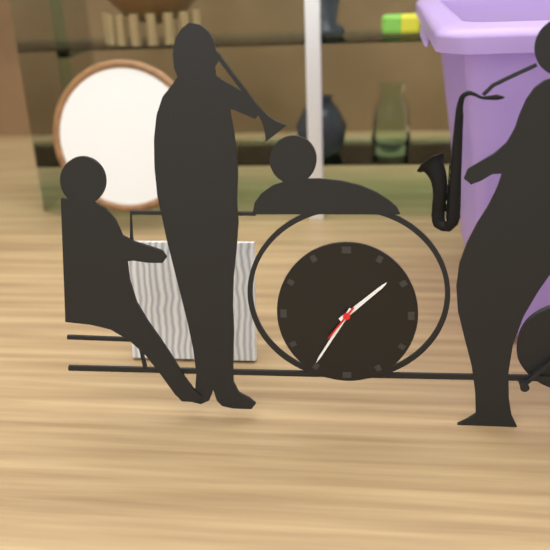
1,35
